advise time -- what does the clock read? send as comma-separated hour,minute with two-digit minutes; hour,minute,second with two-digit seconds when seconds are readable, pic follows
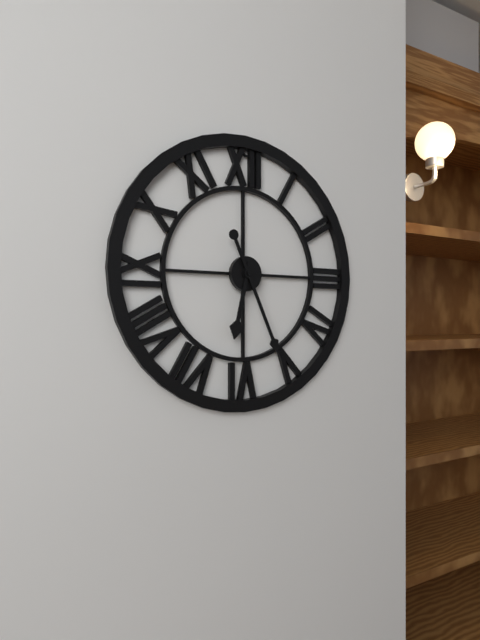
6,26
